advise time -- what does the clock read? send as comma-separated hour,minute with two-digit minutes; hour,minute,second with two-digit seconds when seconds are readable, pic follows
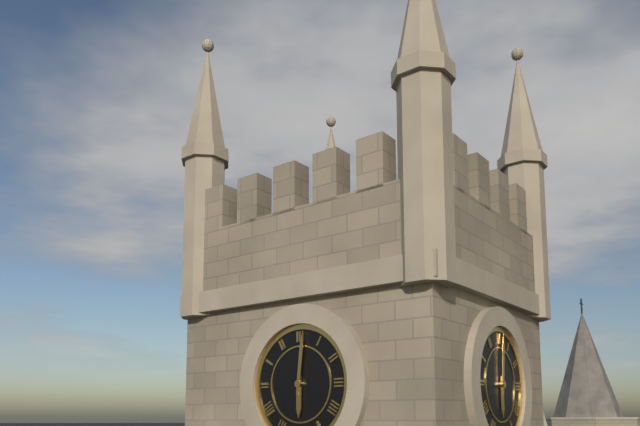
6,01
